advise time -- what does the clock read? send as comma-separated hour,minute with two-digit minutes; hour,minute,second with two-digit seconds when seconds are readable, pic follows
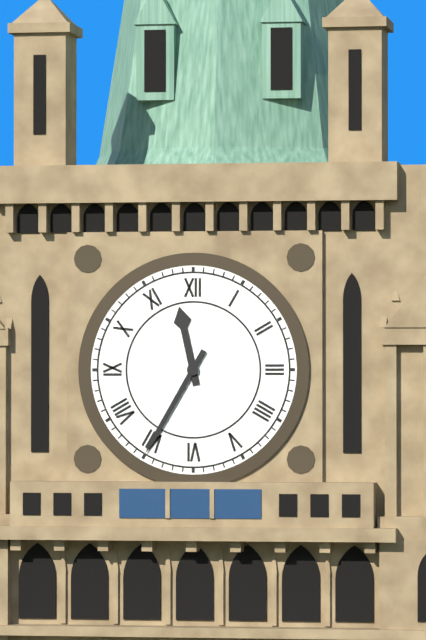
11,35
